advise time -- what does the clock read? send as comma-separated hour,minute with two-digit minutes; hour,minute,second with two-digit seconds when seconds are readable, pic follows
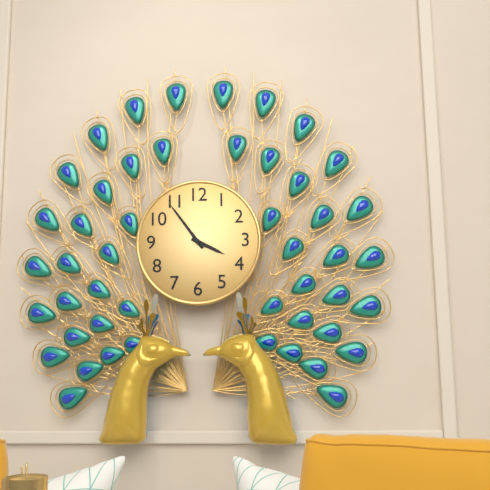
3,54
